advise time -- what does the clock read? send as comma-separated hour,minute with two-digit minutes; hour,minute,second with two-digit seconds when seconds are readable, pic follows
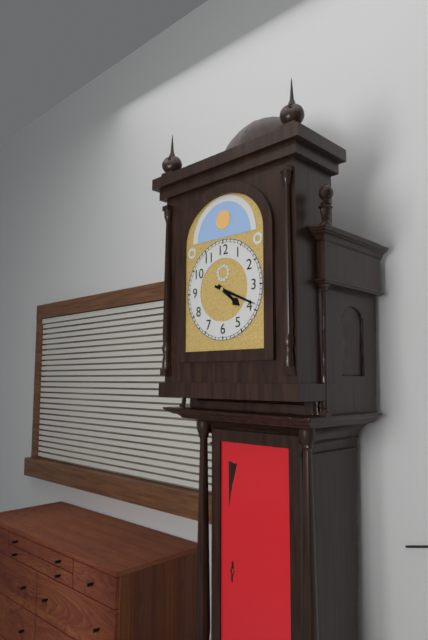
4,19
